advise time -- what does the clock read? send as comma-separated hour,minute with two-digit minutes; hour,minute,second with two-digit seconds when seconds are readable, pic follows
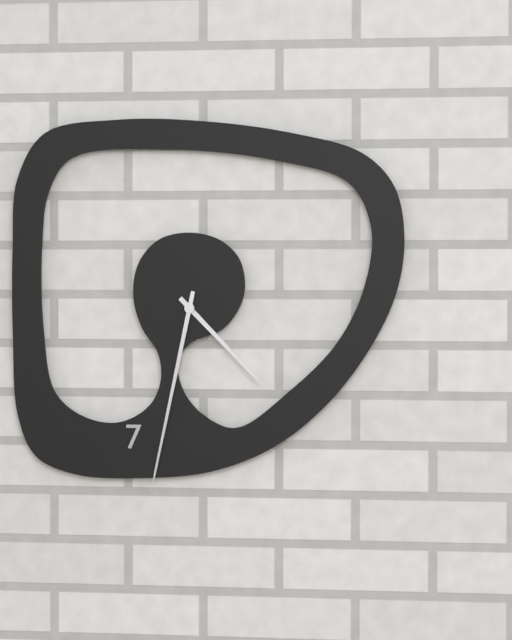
4,32
